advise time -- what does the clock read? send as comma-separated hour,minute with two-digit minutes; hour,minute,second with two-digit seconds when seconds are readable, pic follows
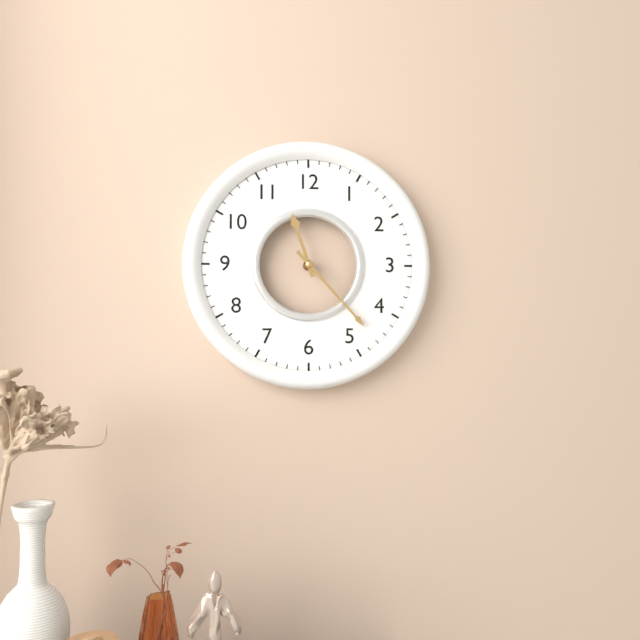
11,23
